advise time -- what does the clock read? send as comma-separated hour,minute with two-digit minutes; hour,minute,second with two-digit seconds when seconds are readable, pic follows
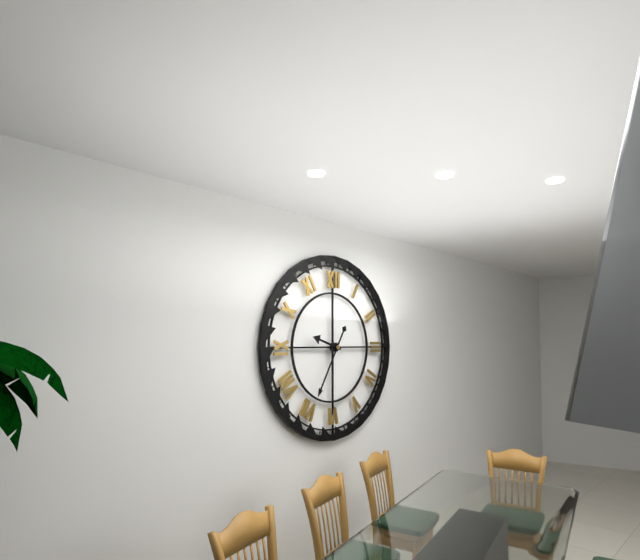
9,35
